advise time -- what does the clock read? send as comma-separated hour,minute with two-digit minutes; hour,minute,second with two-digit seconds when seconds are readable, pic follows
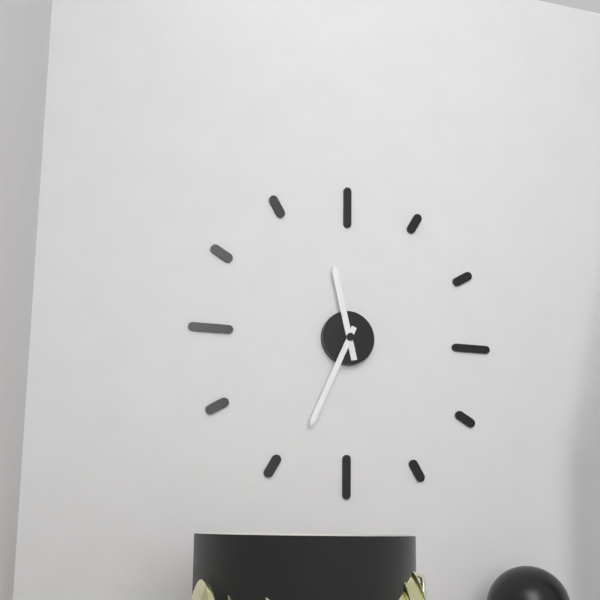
11,34
